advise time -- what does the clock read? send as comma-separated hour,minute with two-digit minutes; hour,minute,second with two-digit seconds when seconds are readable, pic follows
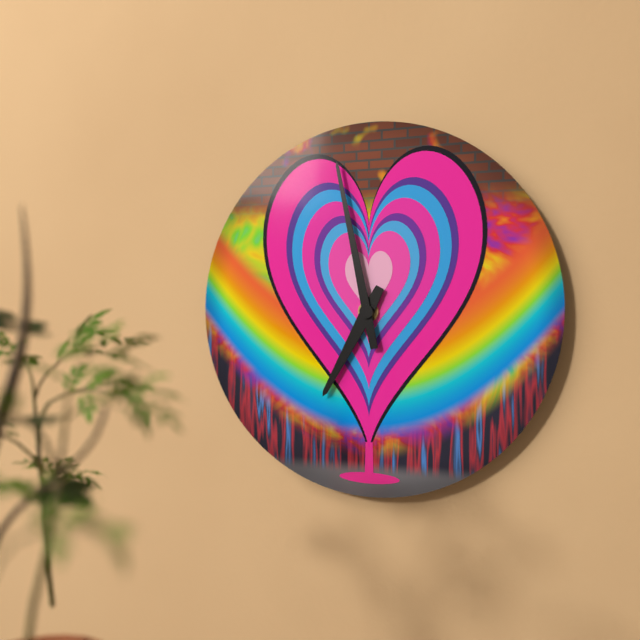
6,58
